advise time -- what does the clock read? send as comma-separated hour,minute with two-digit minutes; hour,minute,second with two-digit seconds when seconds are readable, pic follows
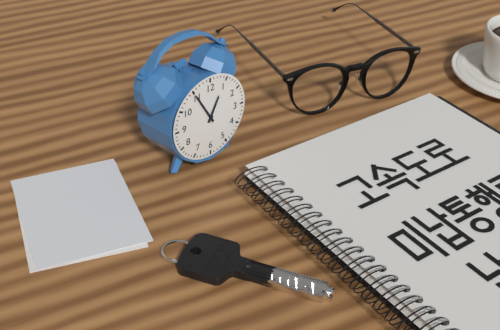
12,55
